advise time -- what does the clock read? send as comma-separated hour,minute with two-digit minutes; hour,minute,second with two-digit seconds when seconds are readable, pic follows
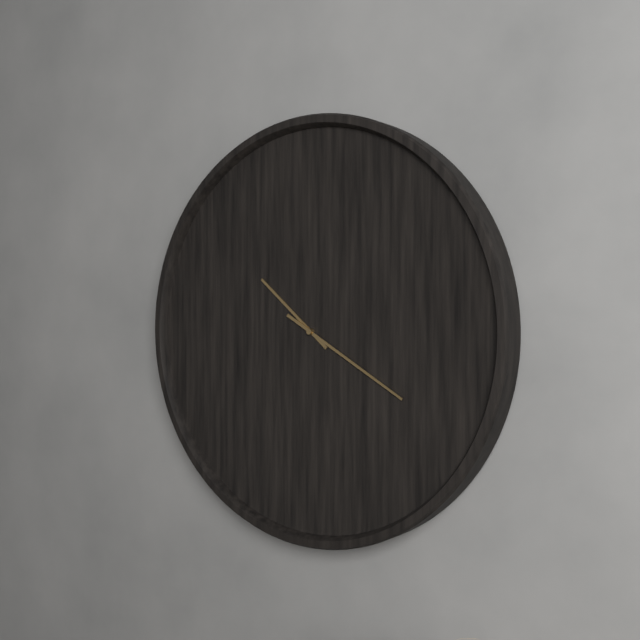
10,20
